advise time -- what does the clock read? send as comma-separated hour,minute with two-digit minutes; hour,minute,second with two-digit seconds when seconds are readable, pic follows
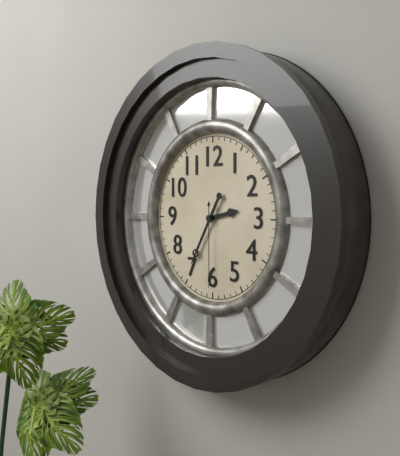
2,35,30
